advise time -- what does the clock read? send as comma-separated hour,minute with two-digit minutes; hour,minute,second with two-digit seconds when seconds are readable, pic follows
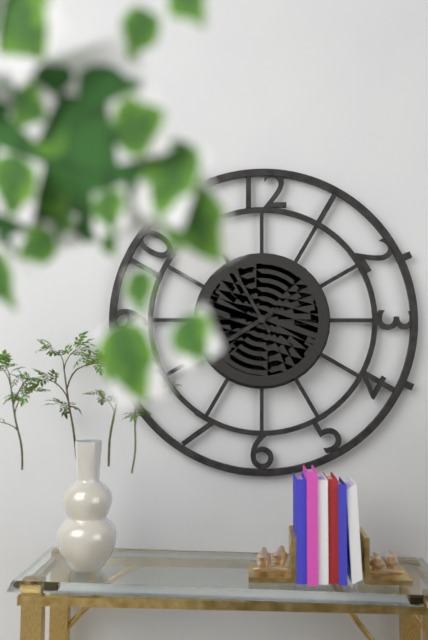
7,55
